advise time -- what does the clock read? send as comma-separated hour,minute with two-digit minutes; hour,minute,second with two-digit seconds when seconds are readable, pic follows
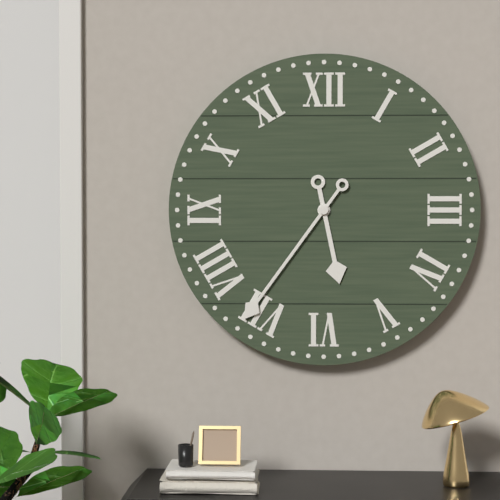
5,36
